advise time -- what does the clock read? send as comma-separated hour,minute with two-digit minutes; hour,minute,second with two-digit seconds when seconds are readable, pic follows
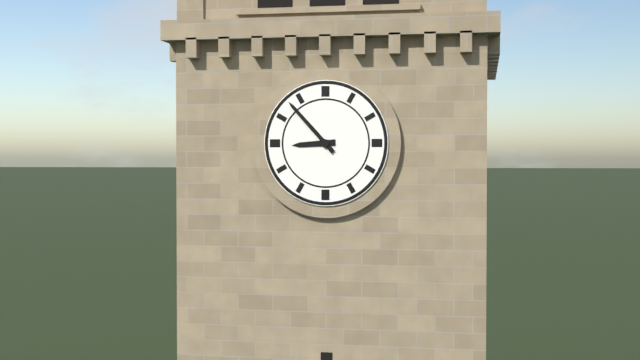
8,53
